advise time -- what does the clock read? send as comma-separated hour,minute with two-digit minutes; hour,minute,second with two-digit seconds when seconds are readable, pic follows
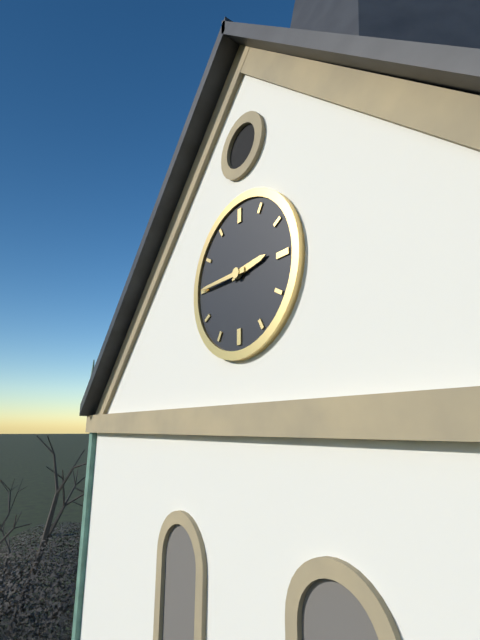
2,45
